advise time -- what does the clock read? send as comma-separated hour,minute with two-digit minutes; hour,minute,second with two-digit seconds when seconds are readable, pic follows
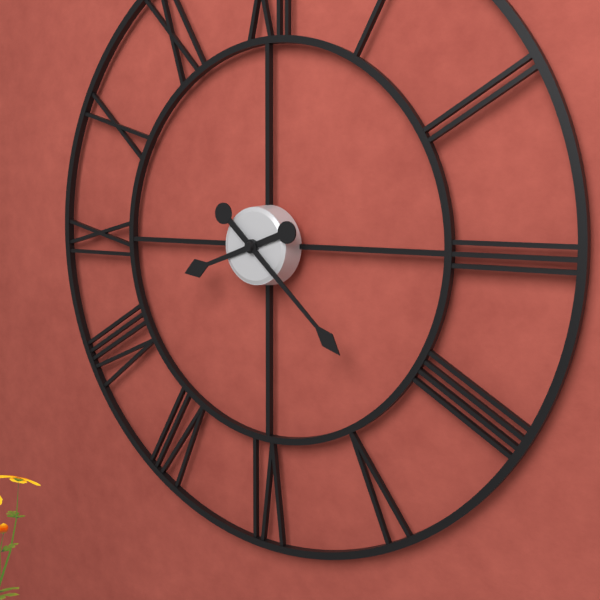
8,22
